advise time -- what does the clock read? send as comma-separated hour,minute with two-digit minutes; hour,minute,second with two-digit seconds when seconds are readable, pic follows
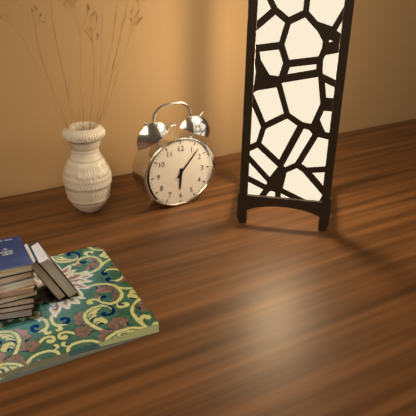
6,07
